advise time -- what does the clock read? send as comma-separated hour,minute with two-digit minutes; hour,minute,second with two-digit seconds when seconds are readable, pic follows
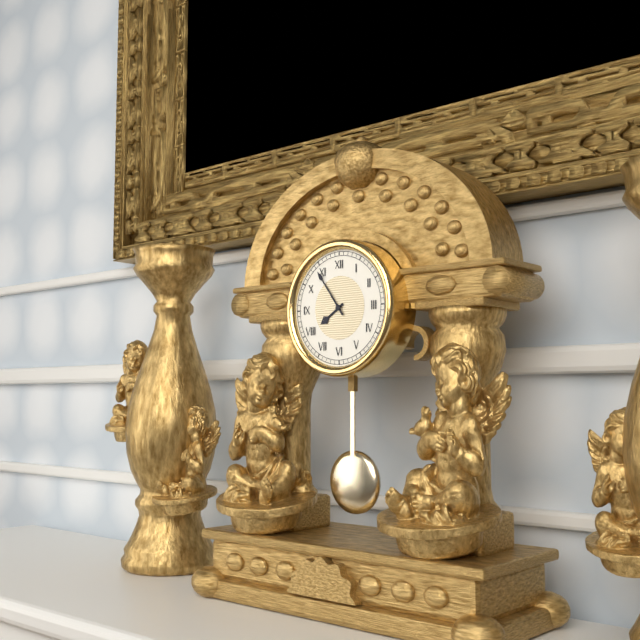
7,54
